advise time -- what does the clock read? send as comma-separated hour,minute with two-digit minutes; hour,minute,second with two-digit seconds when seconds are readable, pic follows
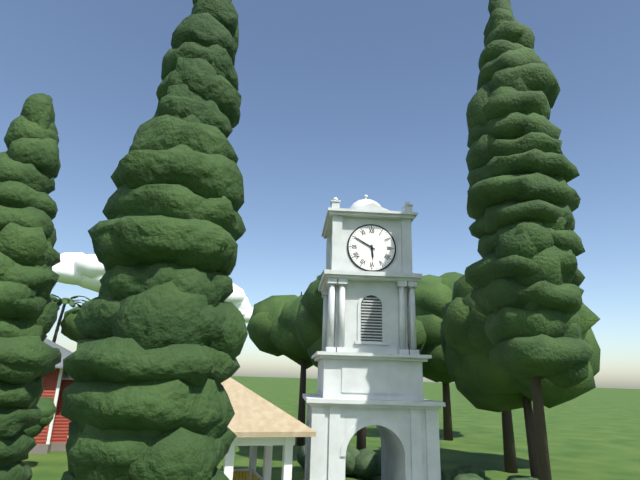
5,50
